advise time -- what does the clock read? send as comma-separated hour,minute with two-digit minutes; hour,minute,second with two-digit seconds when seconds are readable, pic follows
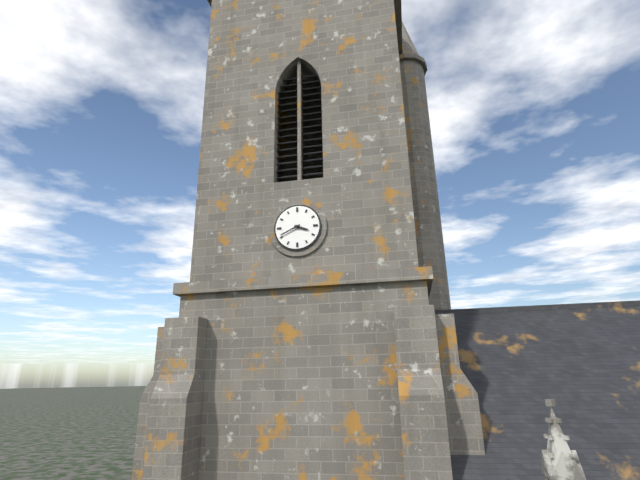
3,41
